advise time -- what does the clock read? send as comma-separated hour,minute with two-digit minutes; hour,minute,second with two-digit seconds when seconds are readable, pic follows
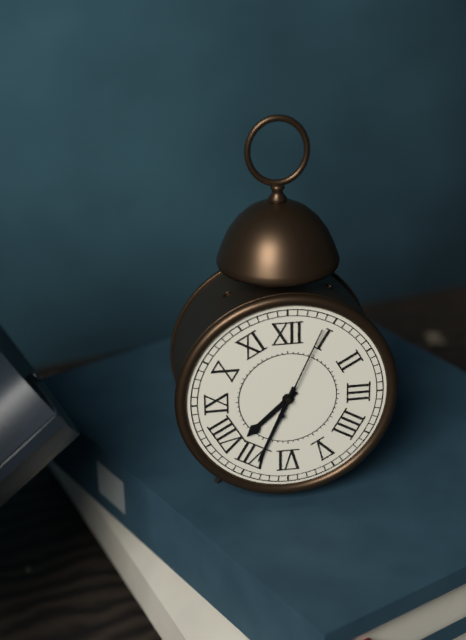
7,34,04
